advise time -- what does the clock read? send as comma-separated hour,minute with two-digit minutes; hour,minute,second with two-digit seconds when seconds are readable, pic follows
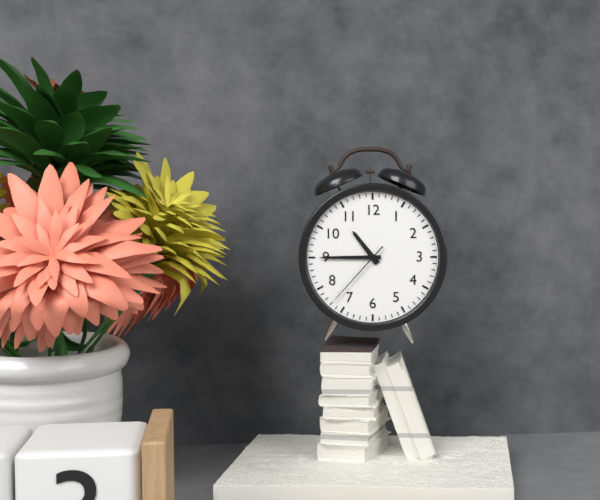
10,45,37
